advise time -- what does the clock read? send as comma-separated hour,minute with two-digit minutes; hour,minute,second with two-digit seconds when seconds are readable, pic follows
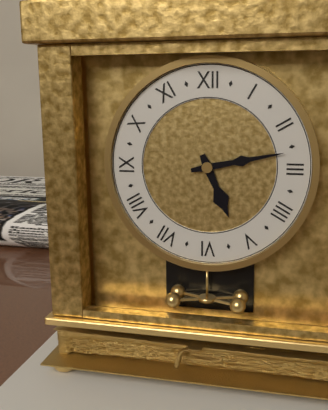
5,13
